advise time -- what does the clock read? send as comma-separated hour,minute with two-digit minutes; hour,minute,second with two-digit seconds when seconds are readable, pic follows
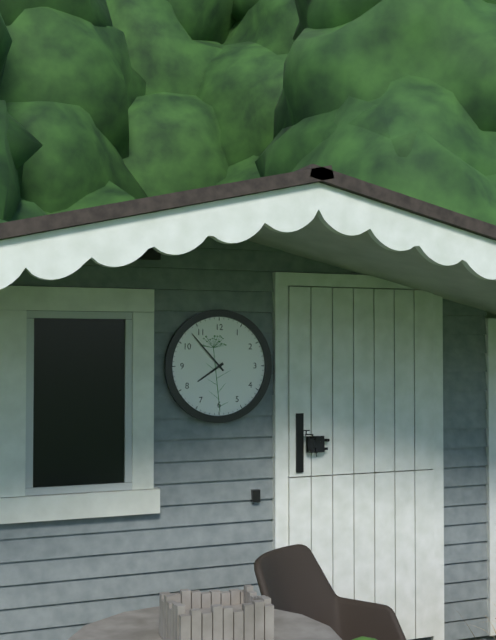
7,53
